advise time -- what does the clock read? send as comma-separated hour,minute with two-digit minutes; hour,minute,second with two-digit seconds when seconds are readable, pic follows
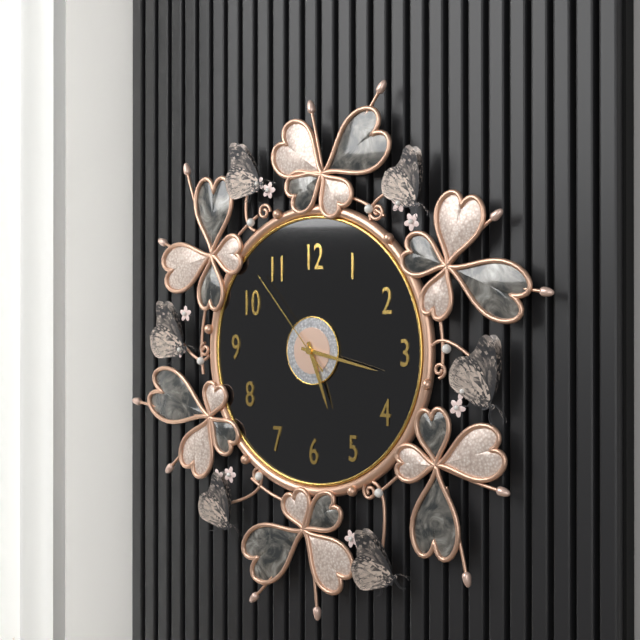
5,17,53
